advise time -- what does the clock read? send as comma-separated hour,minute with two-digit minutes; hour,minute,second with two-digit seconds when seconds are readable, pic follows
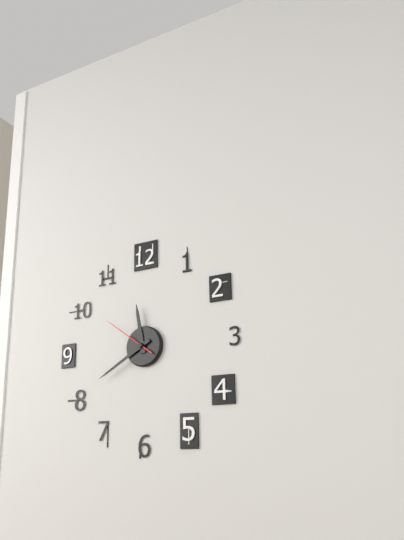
11,40,51
